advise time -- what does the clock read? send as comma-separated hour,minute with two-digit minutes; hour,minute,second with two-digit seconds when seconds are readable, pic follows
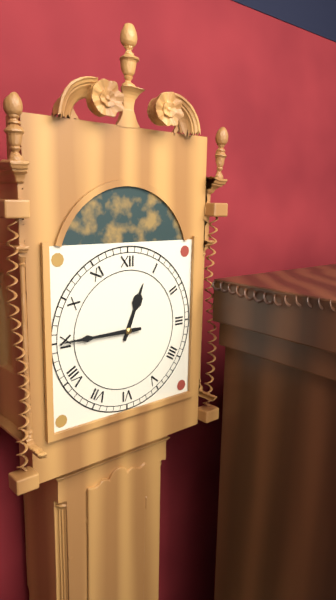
12,45
